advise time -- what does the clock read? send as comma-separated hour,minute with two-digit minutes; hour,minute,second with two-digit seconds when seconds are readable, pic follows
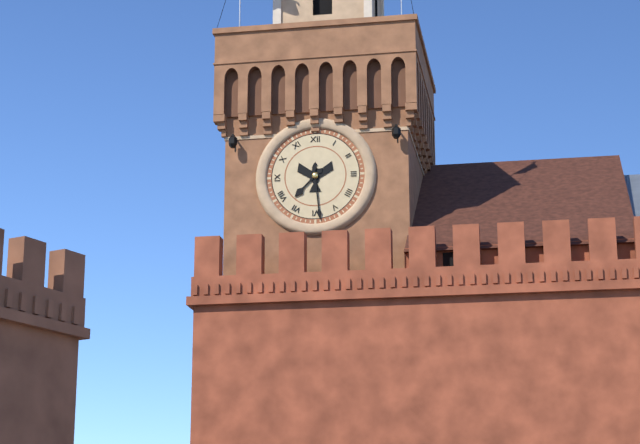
7,29
